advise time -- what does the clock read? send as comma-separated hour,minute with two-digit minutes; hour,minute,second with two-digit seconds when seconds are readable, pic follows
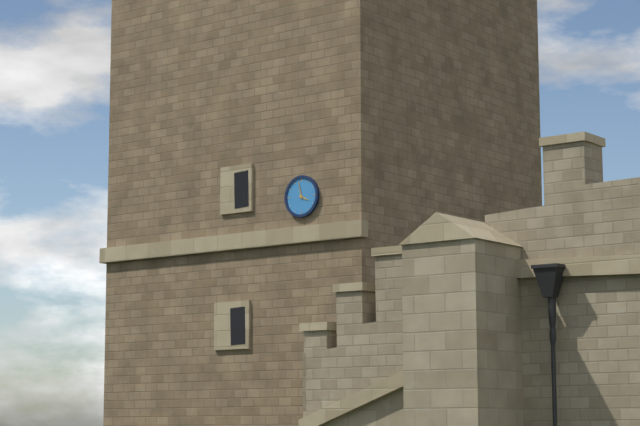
3,58
